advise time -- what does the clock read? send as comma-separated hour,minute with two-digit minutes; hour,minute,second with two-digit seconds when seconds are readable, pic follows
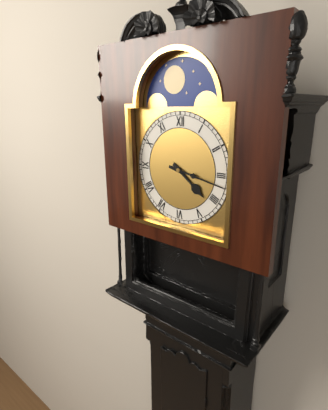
4,17
